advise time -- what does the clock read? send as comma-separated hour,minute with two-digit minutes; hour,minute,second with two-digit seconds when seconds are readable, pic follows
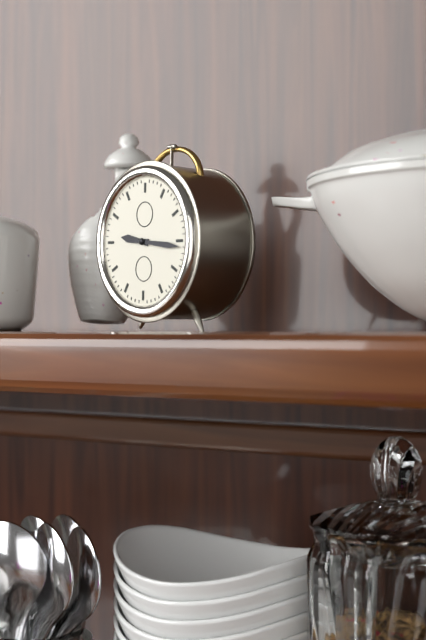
9,16
